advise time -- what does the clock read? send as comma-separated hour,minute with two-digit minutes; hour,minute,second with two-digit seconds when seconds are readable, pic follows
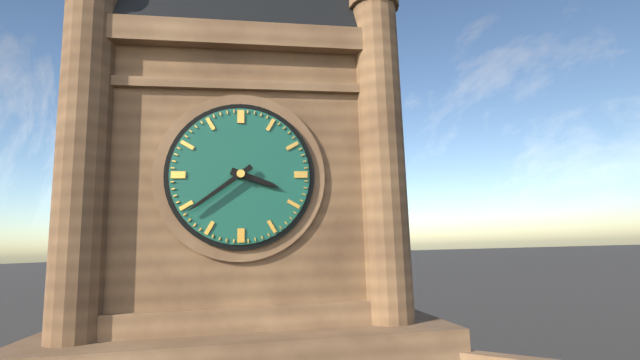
3,39
